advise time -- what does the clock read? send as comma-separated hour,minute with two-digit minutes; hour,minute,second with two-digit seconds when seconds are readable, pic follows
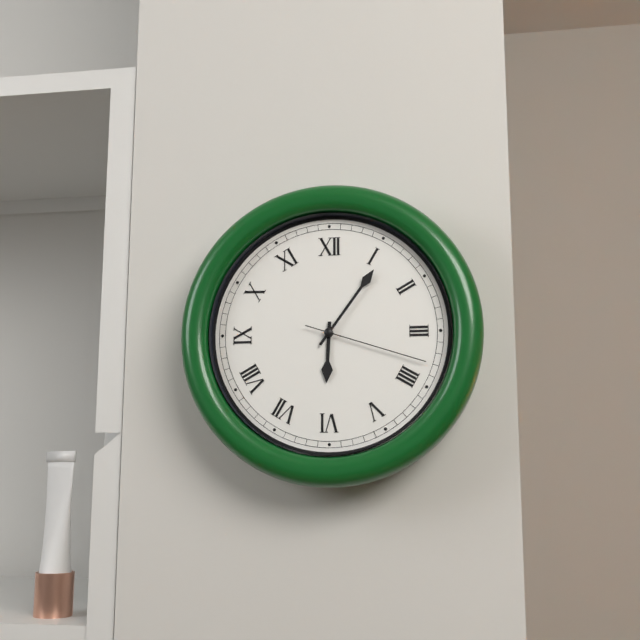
6,06,18
